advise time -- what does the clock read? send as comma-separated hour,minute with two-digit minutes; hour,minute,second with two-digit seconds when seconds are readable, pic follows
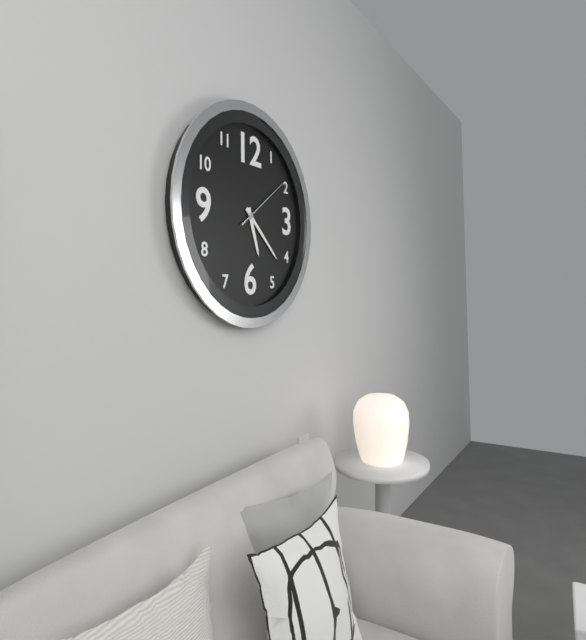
5,22,09
